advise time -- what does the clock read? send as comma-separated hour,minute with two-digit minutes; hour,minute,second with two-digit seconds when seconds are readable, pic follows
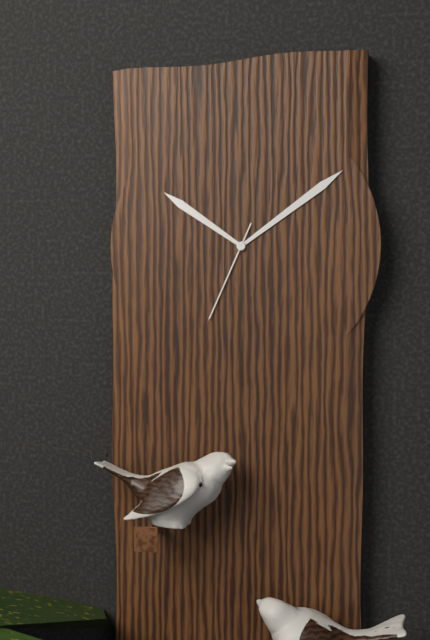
10,09,34
